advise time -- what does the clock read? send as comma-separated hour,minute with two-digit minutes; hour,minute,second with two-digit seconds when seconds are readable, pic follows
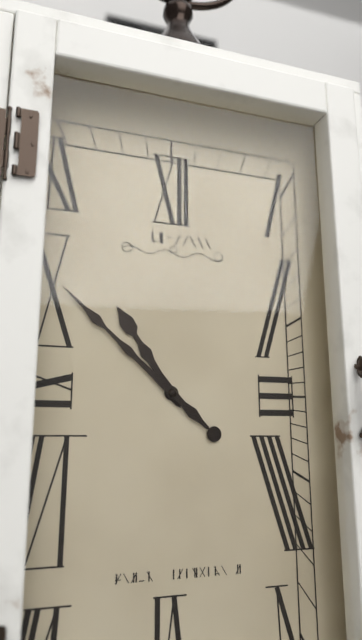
10,52
